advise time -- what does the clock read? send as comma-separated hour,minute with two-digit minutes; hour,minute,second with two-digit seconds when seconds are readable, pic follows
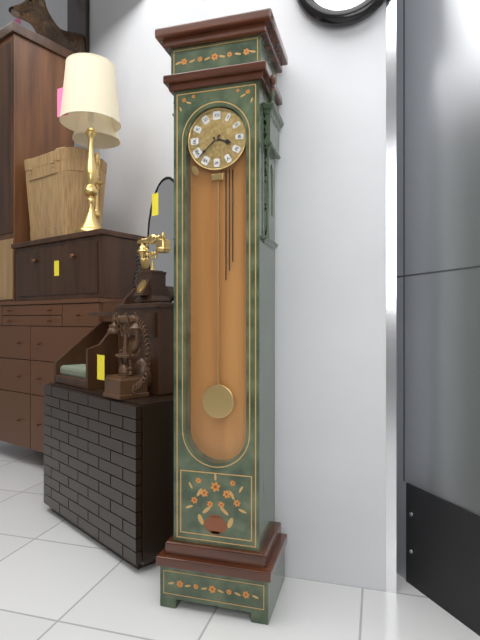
3,38
